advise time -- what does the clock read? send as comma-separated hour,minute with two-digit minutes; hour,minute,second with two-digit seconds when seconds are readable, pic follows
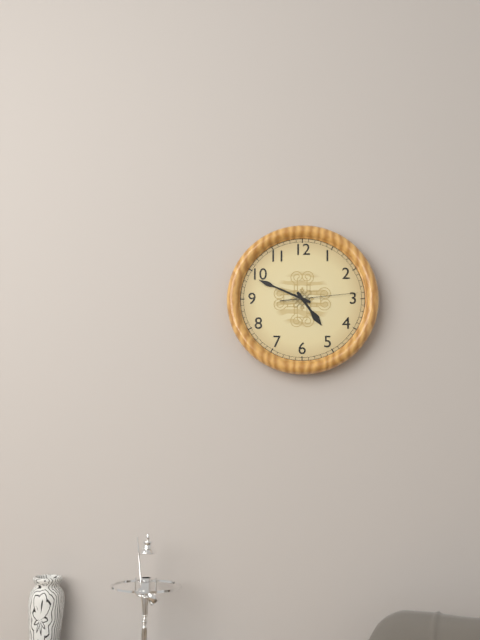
4,49,14
